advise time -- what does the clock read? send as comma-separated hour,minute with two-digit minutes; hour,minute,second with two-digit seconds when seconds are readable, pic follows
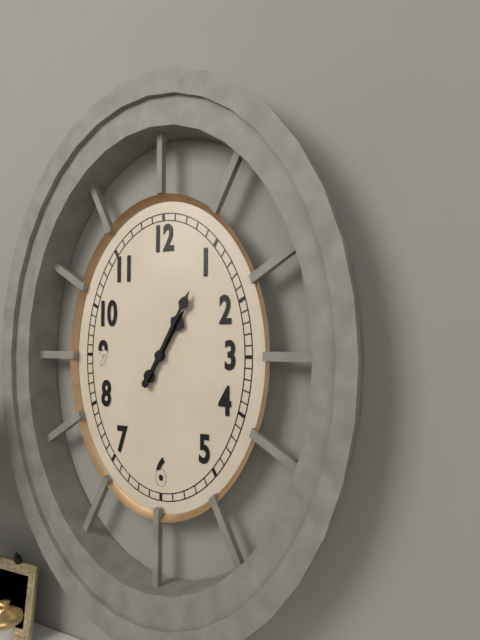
1,05
